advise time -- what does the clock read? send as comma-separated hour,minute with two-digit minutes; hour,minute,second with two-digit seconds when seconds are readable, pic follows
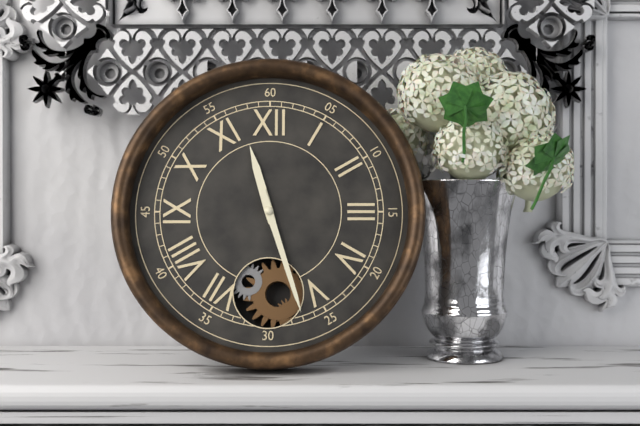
11,27
